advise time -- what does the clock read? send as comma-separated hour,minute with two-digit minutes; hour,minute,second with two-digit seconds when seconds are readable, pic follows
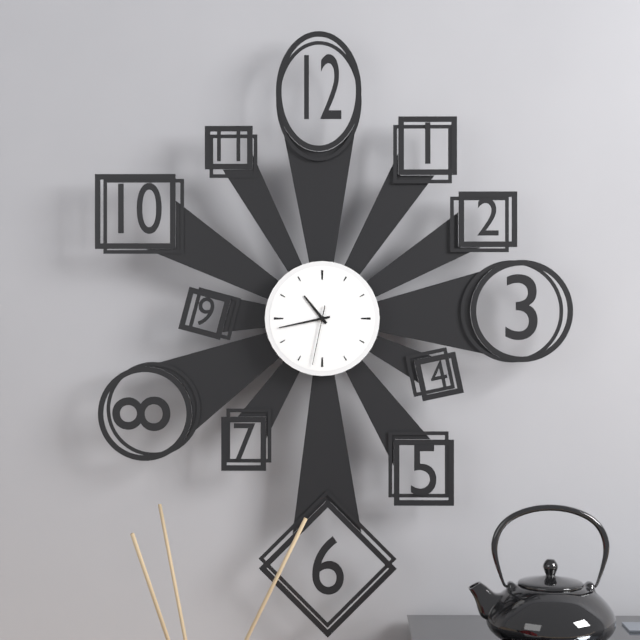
10,43,32
